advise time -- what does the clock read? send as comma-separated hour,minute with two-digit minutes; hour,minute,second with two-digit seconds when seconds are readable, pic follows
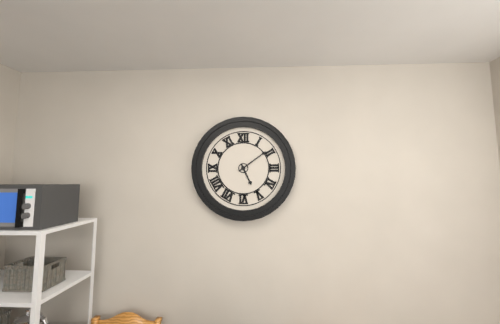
5,09
